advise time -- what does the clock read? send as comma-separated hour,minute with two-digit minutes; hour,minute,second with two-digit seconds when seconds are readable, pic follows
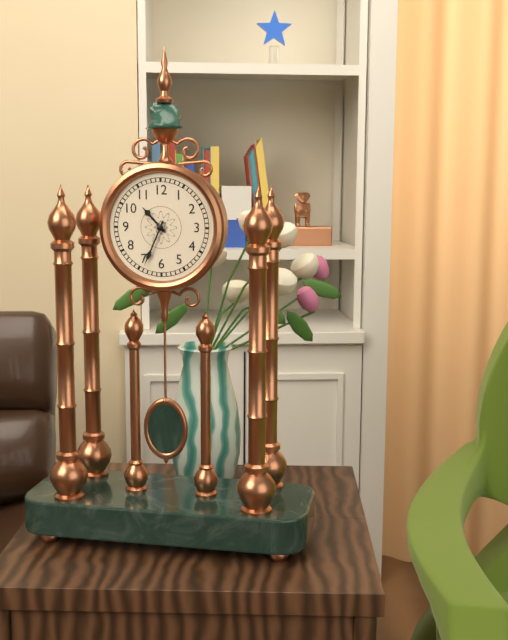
10,34
